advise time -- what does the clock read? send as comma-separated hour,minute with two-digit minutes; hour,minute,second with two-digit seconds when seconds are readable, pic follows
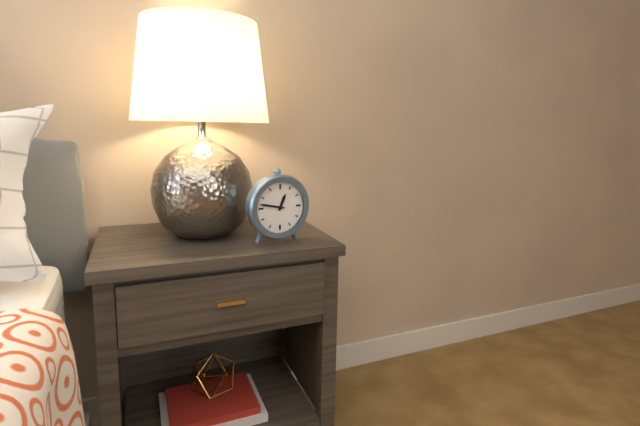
12,47
